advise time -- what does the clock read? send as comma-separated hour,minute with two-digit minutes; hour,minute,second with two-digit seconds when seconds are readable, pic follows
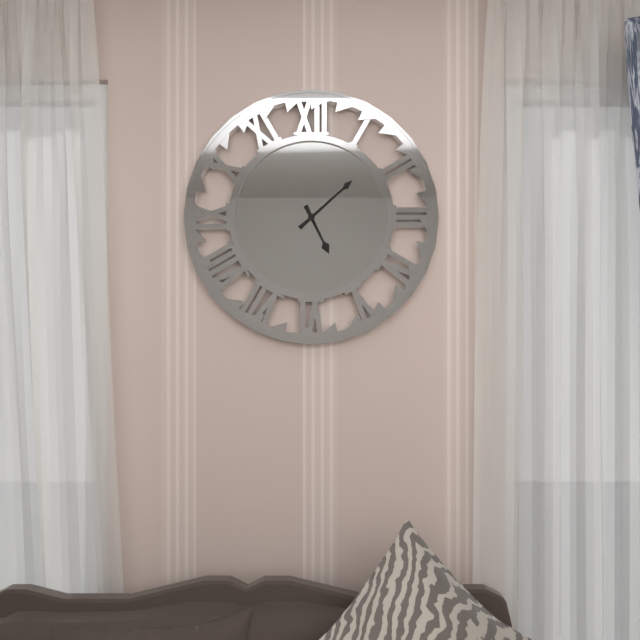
5,08
